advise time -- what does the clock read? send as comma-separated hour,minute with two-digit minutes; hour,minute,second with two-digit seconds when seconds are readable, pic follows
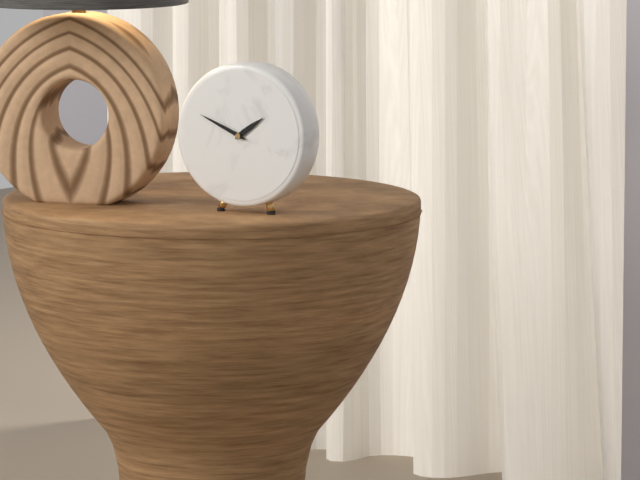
1,49
